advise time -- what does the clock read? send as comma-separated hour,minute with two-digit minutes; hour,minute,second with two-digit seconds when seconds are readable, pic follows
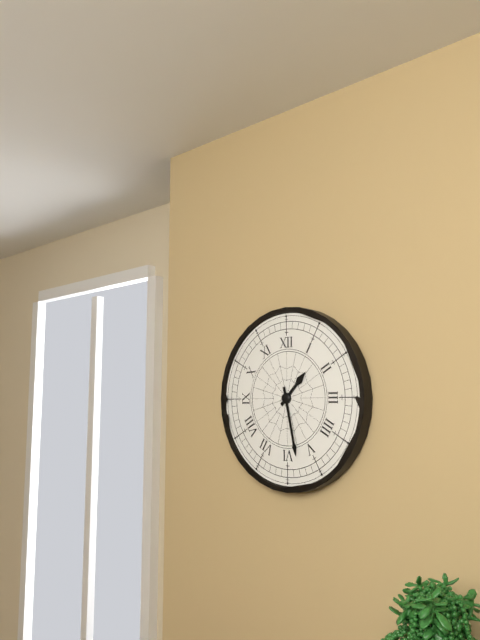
1,28
